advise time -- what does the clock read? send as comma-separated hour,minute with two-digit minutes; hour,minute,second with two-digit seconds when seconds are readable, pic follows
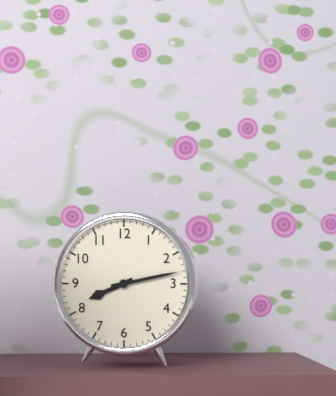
8,13
